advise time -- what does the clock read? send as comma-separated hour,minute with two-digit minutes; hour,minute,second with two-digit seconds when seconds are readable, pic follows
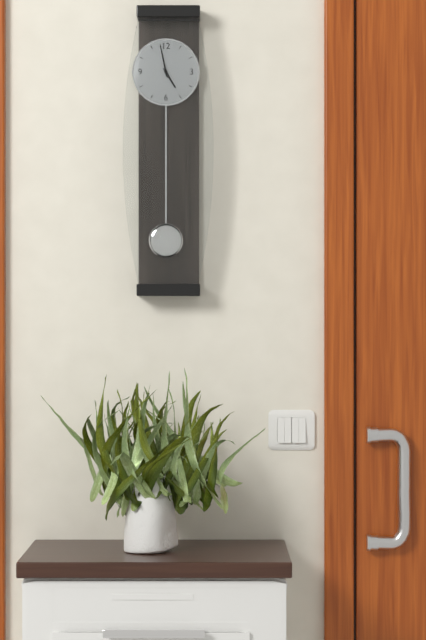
4,58
